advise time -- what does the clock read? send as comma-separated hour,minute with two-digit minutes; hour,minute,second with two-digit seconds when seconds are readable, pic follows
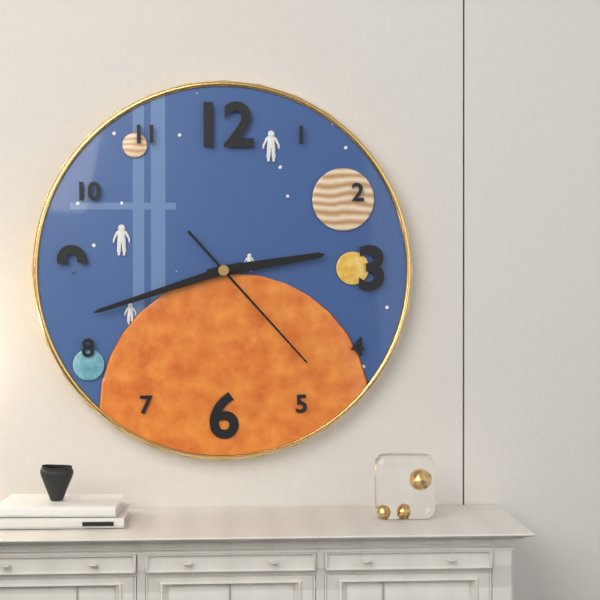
2,42,23
